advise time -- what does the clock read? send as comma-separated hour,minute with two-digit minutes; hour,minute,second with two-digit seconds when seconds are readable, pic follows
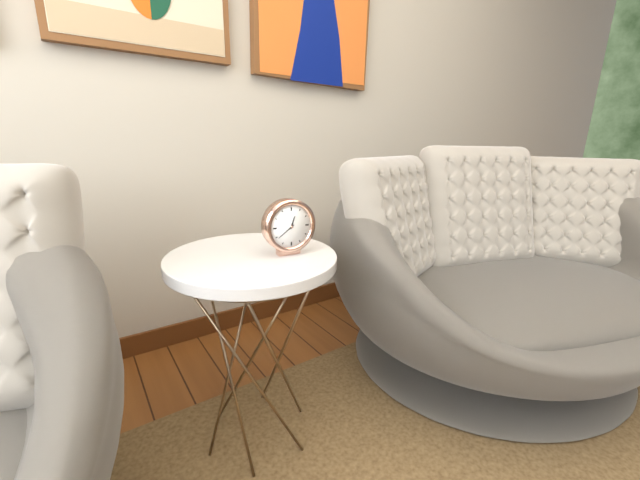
12,39
